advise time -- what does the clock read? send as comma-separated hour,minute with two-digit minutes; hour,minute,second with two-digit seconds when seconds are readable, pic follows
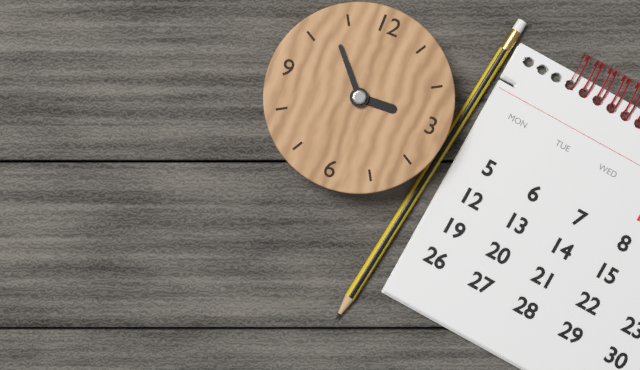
2,53
